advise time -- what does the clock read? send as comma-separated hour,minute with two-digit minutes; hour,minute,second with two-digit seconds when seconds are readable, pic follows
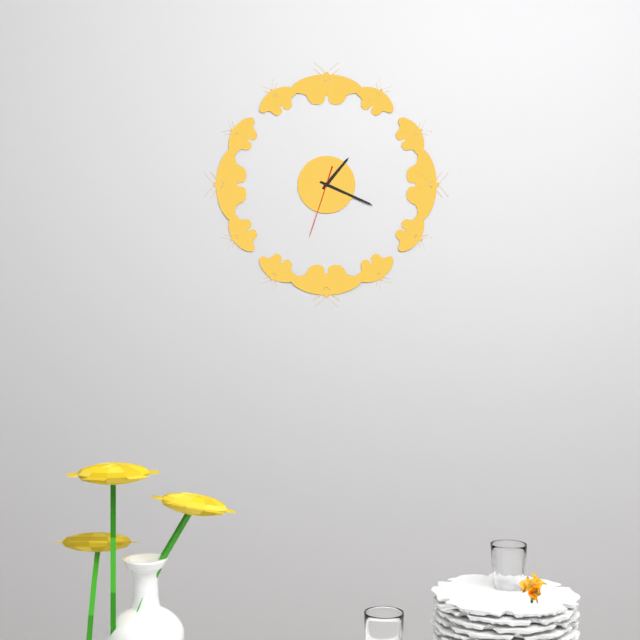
1,19,33
